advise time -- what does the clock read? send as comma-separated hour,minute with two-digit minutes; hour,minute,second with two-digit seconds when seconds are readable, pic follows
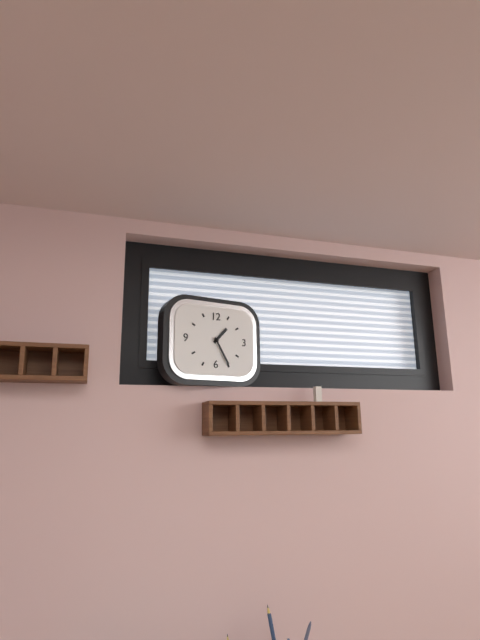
1,25
